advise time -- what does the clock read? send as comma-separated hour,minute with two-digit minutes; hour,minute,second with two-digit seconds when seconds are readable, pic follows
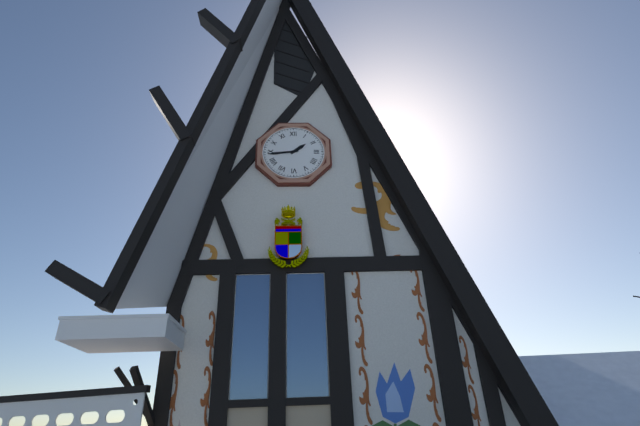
1,44
